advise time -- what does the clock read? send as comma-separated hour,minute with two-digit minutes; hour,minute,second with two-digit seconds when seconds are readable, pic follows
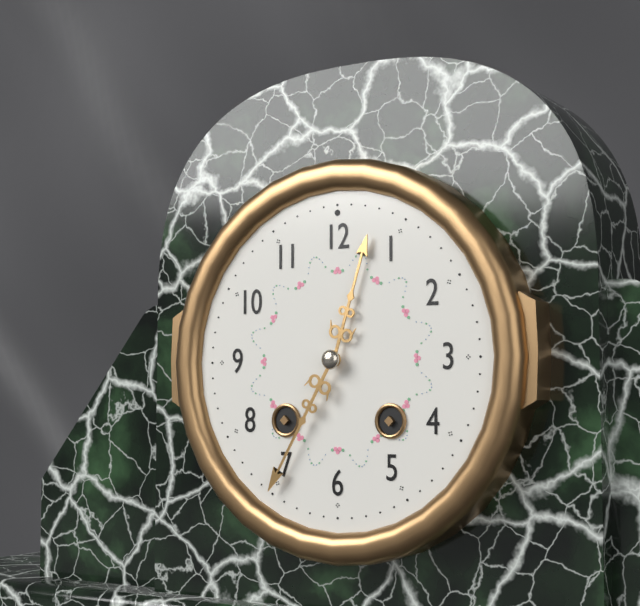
12,35
